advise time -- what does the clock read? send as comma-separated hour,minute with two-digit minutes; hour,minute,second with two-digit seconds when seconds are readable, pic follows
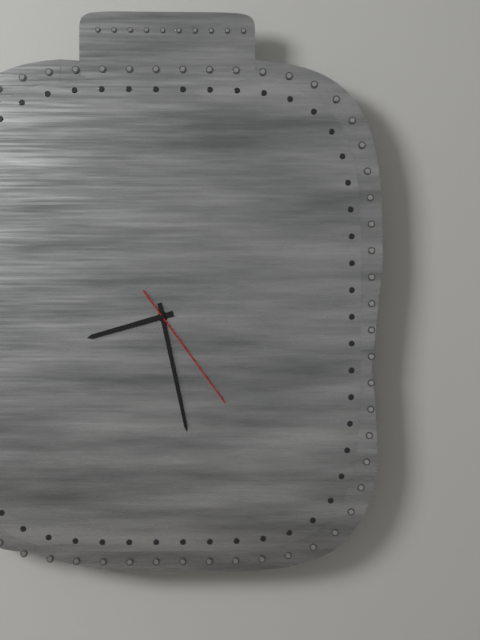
8,28,24
